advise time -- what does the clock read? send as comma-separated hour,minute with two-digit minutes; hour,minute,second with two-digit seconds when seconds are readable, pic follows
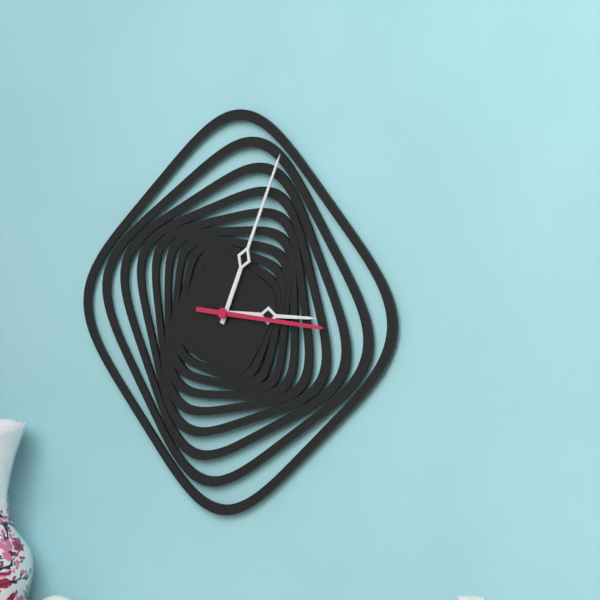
3,04,16
